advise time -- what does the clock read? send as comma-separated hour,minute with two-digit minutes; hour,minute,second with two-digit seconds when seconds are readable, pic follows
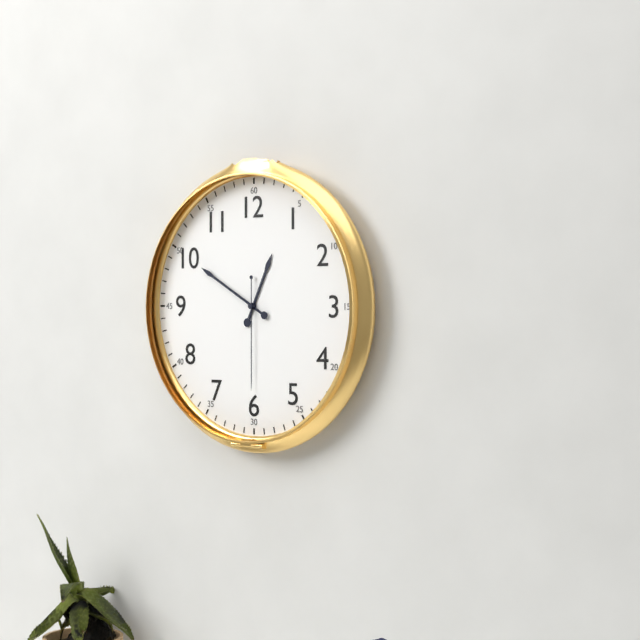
12,50,30
